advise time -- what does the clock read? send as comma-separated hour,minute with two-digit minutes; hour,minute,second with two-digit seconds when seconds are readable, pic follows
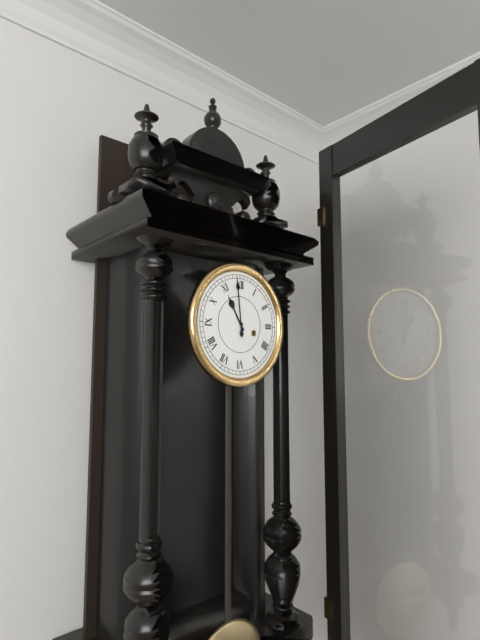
10,59
